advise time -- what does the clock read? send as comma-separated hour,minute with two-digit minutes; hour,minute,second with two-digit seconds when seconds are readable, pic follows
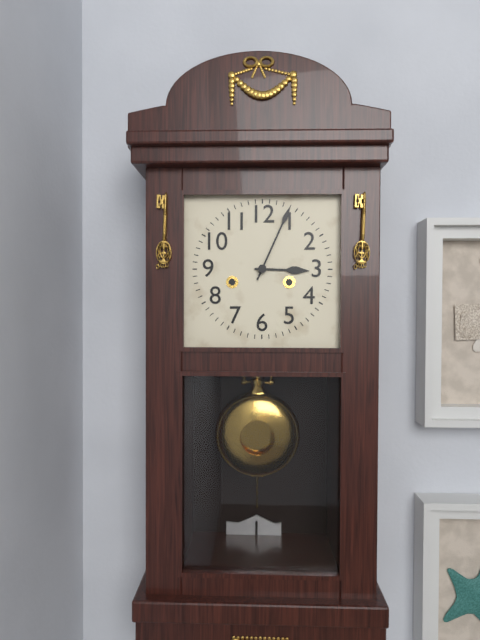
3,04
